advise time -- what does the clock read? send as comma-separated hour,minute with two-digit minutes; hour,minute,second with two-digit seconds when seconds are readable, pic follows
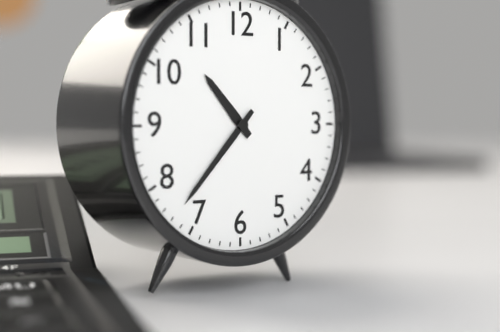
10,37
